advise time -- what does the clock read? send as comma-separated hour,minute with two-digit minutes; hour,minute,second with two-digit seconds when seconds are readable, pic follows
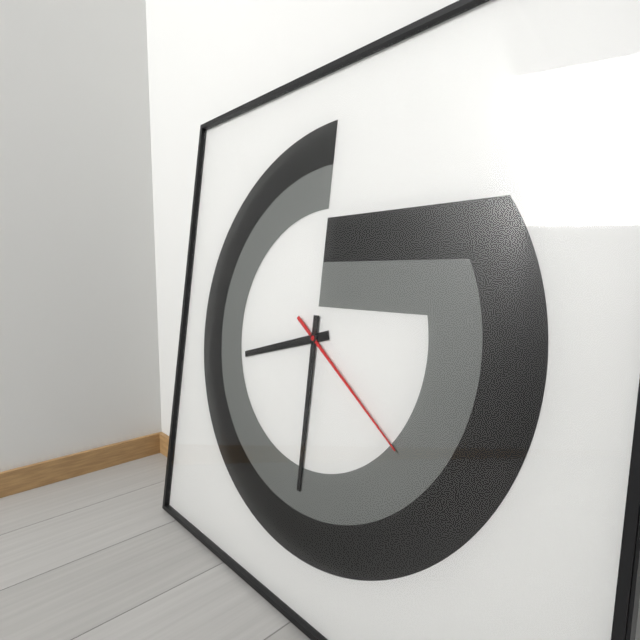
8,30,21
